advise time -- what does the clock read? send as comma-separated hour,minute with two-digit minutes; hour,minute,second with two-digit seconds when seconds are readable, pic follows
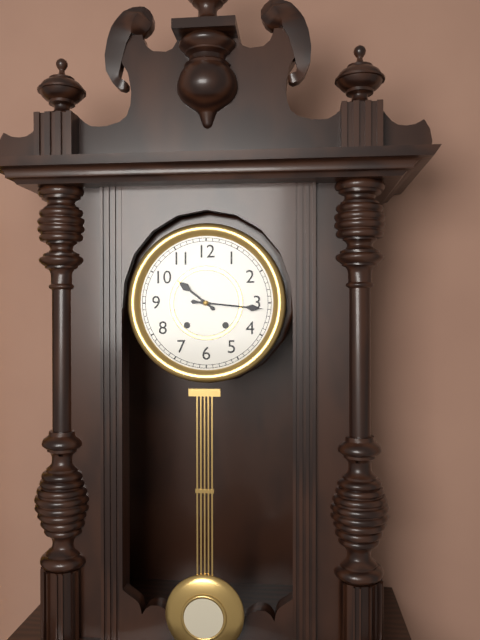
10,16
